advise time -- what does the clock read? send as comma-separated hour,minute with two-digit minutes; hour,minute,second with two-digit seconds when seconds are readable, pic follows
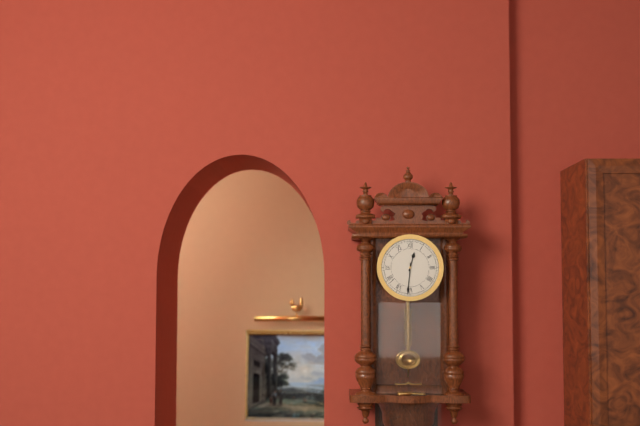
12,31
